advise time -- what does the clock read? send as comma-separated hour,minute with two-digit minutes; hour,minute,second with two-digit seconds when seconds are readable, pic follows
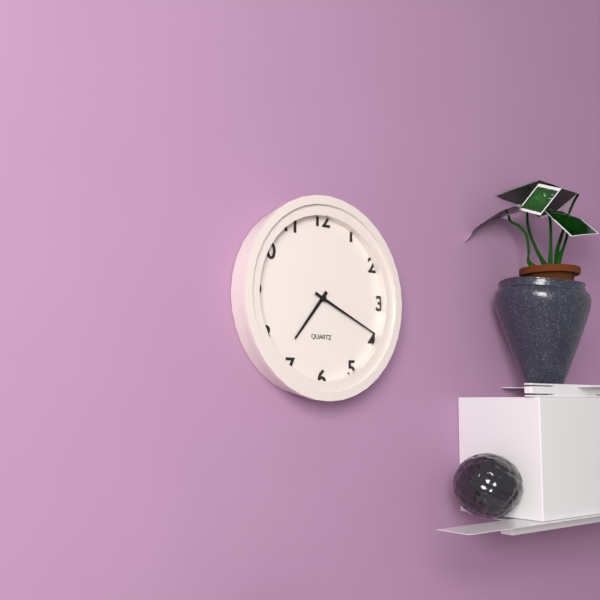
7,19
